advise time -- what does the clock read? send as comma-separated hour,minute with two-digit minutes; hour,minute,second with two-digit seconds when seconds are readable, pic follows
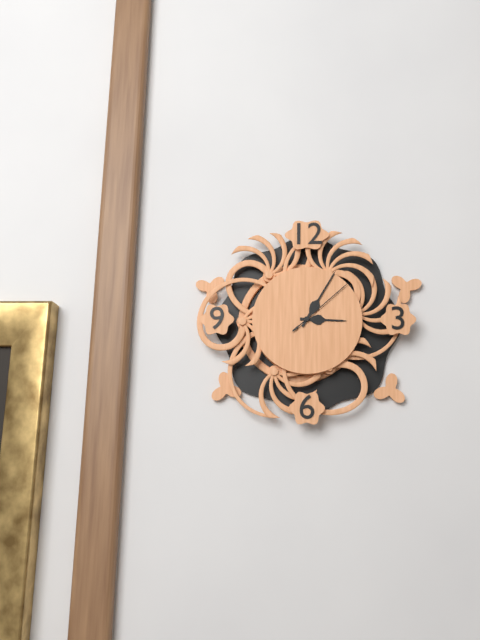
3,05,08
